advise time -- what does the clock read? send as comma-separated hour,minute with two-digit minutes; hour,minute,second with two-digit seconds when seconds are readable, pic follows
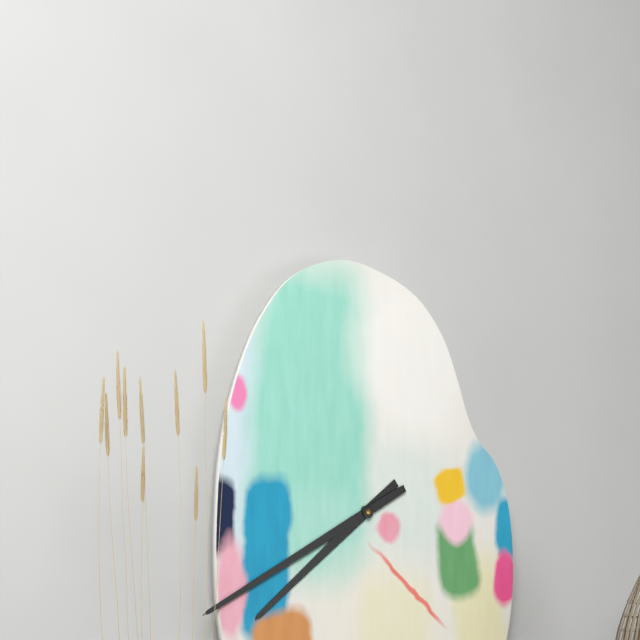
7,40
